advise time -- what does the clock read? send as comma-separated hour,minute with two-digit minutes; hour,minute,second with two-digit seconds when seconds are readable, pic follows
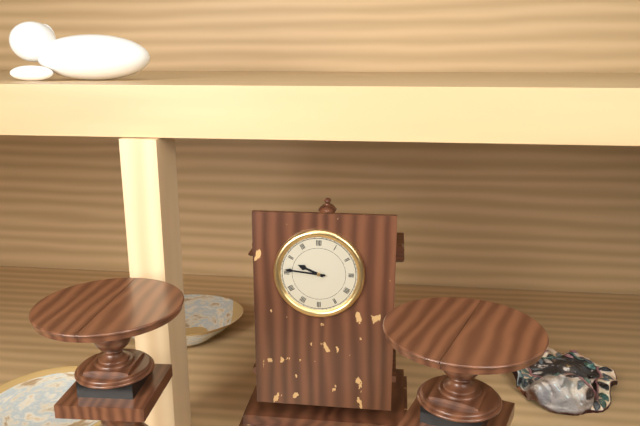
9,46
